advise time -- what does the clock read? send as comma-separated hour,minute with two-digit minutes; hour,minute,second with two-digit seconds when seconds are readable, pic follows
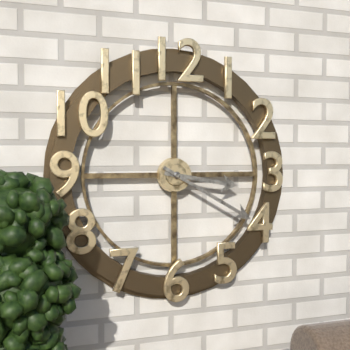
3,20
